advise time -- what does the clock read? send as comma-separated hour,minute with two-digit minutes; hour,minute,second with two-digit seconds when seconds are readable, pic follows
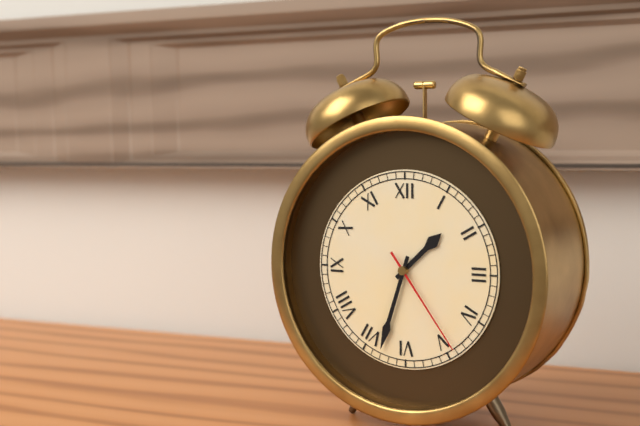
1,33,24
